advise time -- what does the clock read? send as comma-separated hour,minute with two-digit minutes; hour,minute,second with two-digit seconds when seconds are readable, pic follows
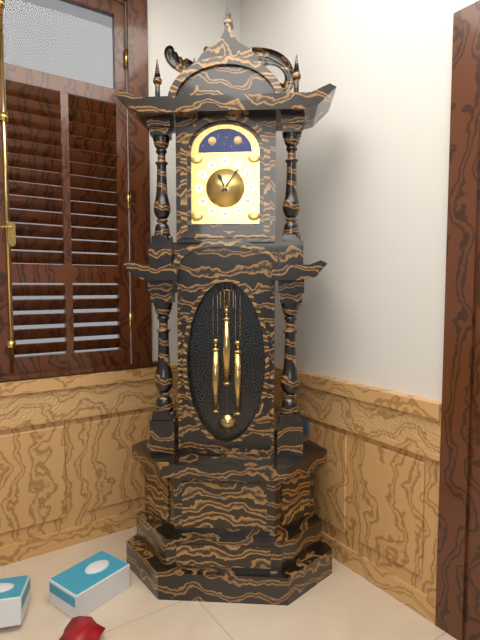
11,06
